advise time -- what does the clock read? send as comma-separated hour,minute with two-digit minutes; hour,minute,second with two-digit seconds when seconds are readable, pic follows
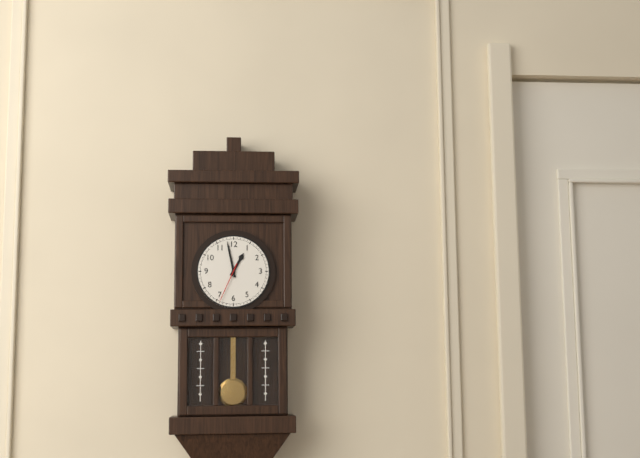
12,58
